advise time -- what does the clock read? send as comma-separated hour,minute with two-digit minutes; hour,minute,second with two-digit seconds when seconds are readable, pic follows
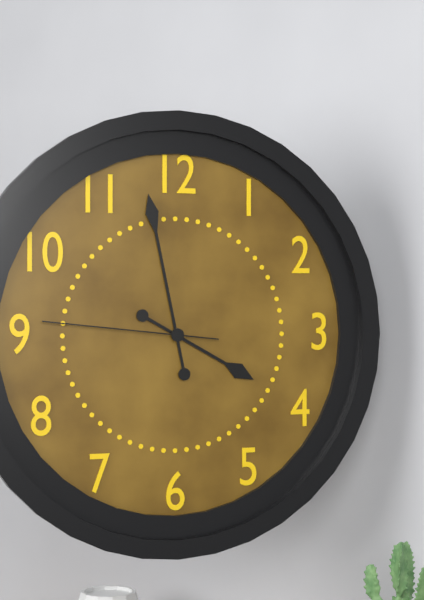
3,58,46
